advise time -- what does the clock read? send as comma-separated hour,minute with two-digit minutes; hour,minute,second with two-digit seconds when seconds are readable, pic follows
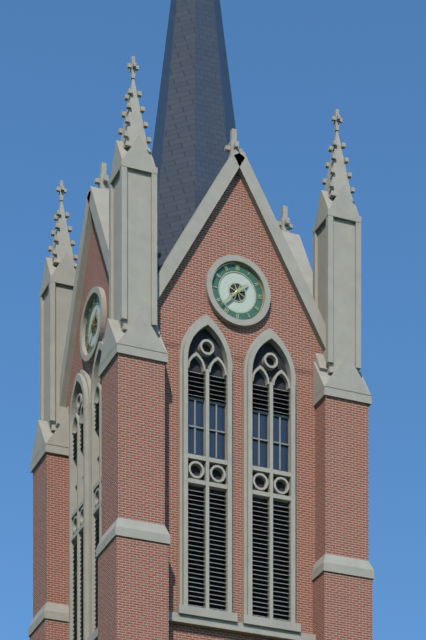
1,38
